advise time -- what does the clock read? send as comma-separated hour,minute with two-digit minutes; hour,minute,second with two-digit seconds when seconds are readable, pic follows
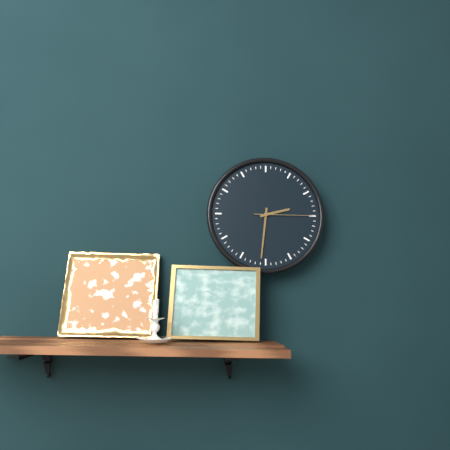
2,31,15
